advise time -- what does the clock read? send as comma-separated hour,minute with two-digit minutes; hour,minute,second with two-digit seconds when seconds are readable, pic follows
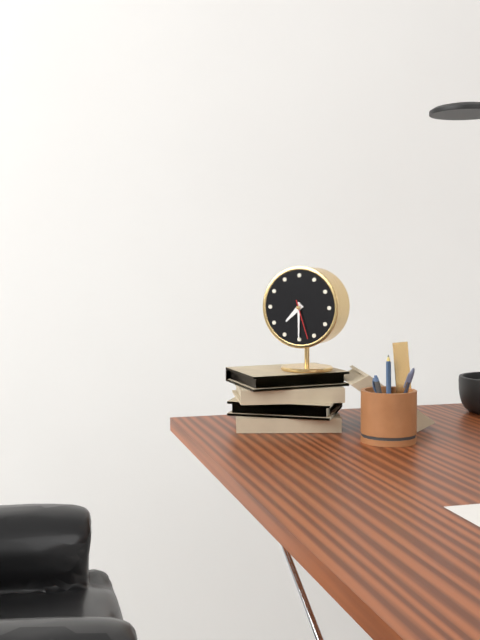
7,30
